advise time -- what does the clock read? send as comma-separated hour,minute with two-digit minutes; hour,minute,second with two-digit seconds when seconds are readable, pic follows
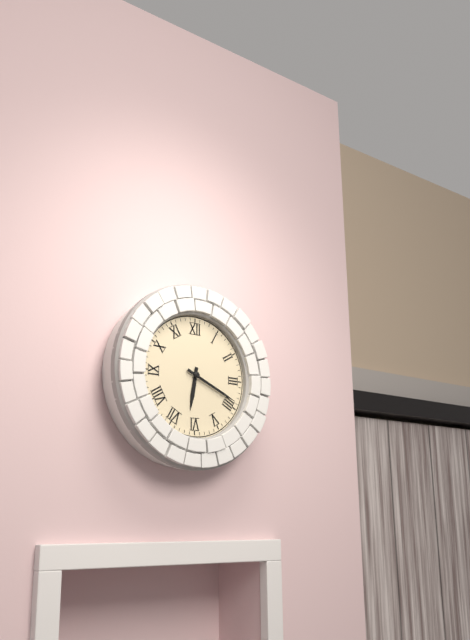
6,19
